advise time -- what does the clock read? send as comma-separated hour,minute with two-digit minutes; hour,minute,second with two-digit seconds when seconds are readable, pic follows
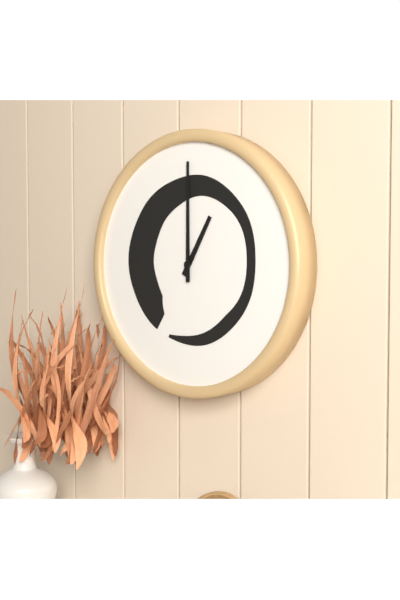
1,00
